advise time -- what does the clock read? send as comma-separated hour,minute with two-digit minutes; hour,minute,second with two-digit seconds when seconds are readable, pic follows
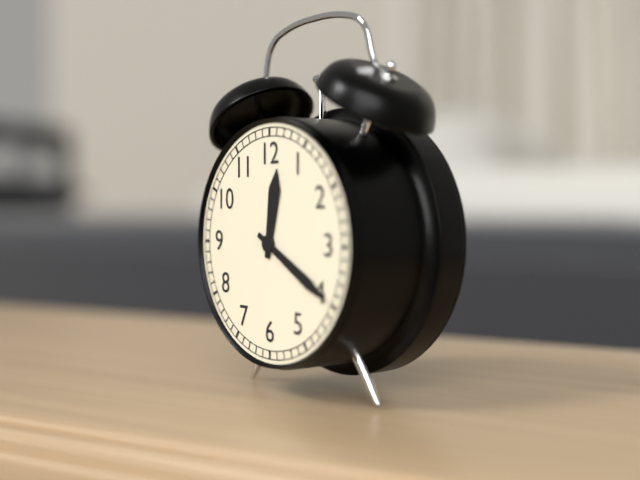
12,20
